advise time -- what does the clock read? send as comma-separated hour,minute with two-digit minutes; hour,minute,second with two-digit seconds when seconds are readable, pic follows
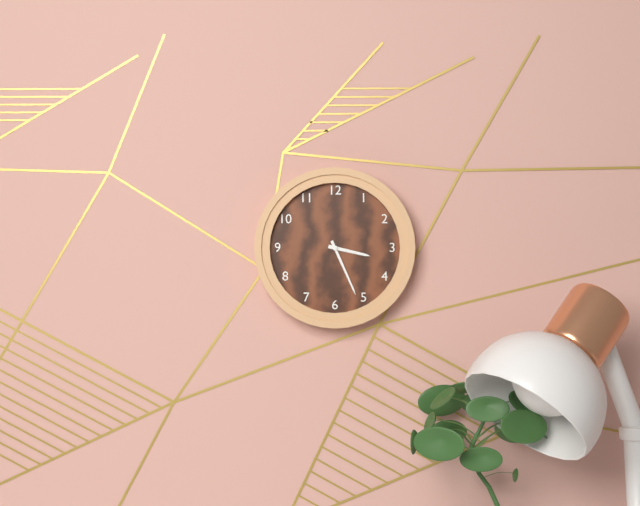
3,26
